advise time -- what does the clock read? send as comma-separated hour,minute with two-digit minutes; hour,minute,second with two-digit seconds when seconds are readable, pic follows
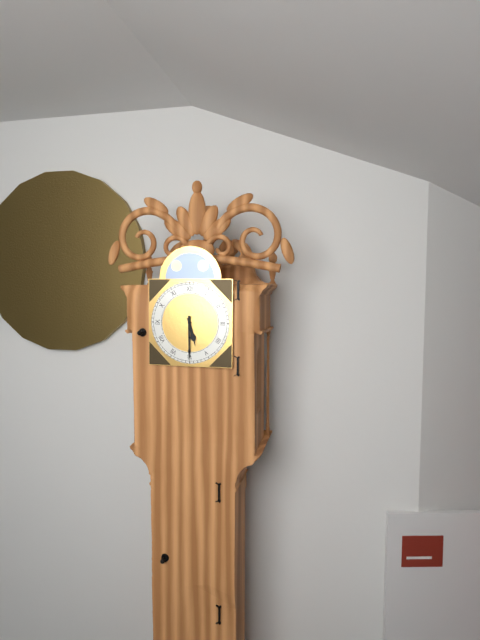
5,30
